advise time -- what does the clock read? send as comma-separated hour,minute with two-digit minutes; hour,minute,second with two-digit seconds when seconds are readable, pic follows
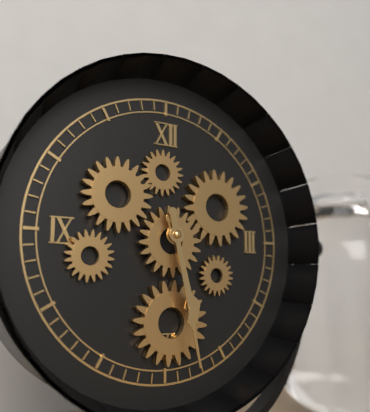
5,28
